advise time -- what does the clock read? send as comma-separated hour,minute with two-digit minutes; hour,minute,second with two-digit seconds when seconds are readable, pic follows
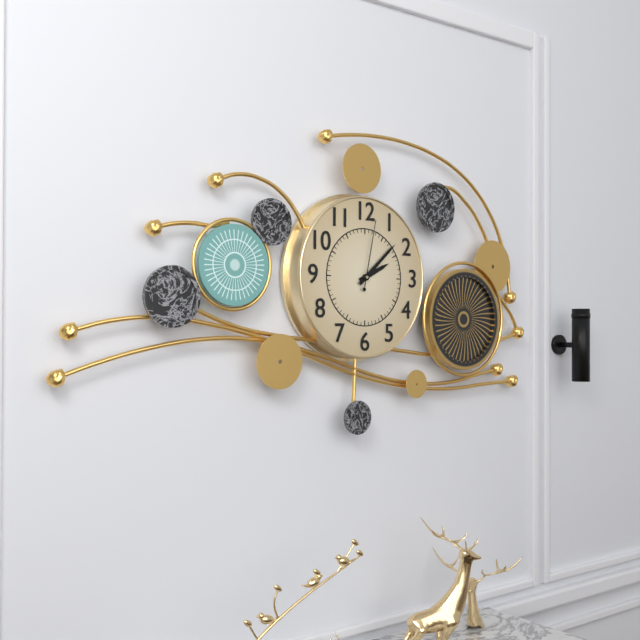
2,08,02
